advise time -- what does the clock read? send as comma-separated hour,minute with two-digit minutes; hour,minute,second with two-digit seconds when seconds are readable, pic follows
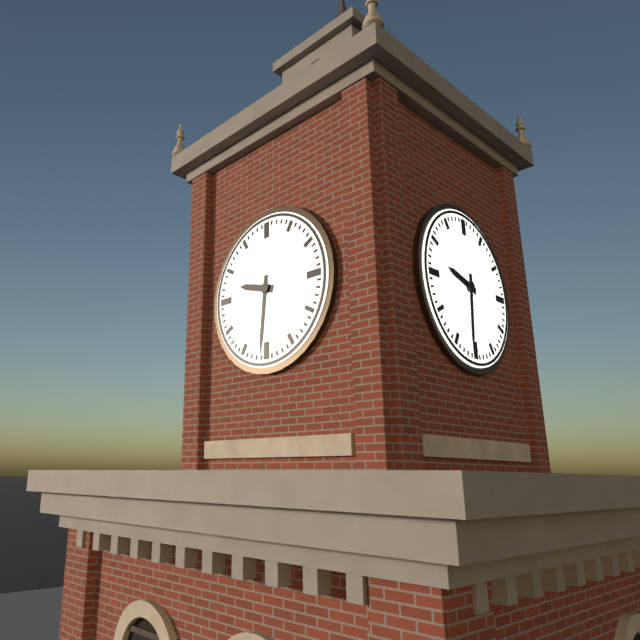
9,31
